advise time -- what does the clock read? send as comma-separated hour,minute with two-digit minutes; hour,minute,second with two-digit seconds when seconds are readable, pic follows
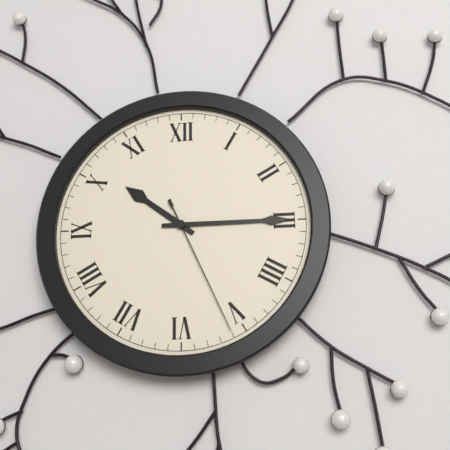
10,15,26
